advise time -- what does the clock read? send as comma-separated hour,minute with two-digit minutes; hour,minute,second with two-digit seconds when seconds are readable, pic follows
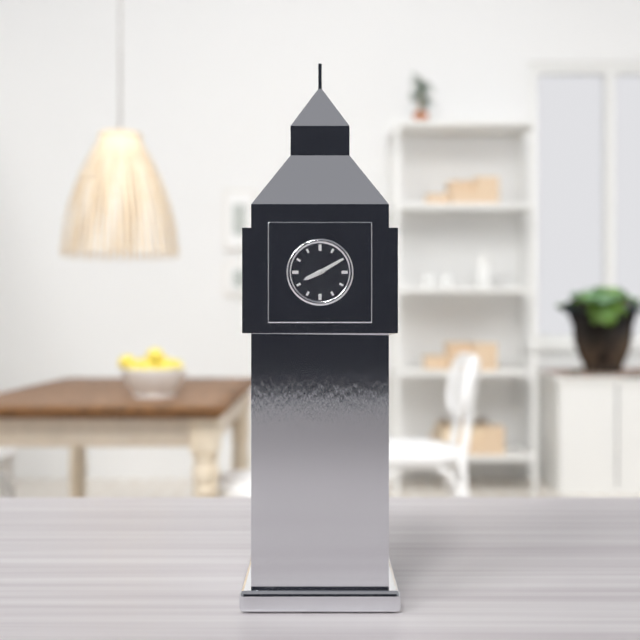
8,10
